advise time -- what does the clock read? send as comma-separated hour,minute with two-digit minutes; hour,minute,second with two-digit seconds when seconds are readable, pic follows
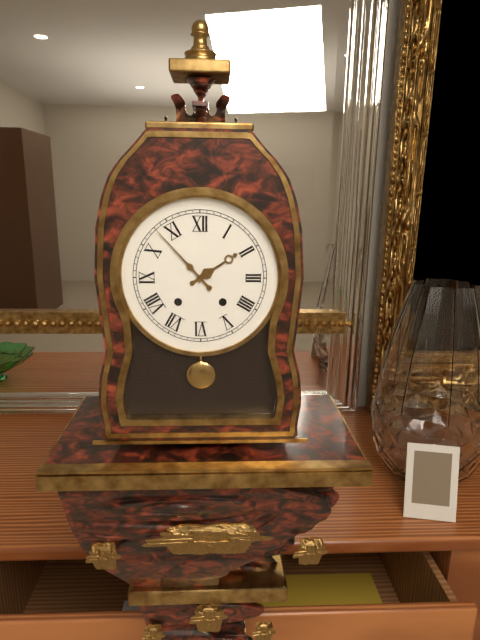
1,53
